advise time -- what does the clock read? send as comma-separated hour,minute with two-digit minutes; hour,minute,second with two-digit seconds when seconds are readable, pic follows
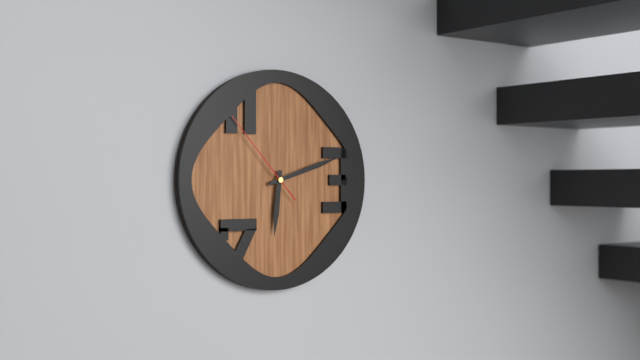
6,12,53
